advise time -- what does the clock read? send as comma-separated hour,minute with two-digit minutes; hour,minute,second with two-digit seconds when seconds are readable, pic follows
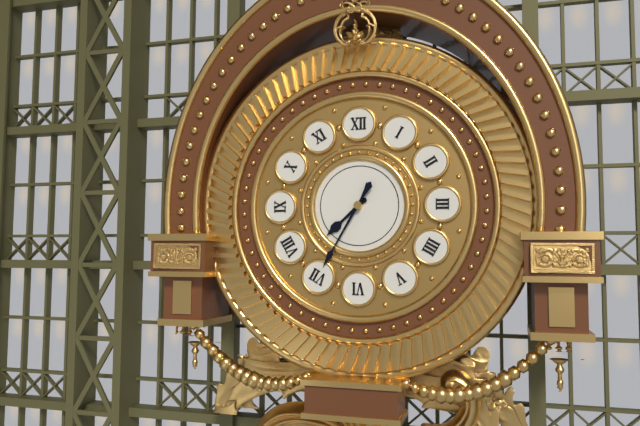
7,35
